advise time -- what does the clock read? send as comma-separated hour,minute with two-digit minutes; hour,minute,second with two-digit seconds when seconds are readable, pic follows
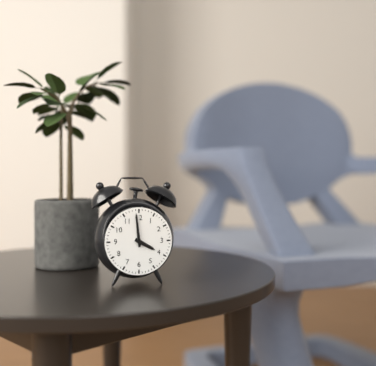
3,59
